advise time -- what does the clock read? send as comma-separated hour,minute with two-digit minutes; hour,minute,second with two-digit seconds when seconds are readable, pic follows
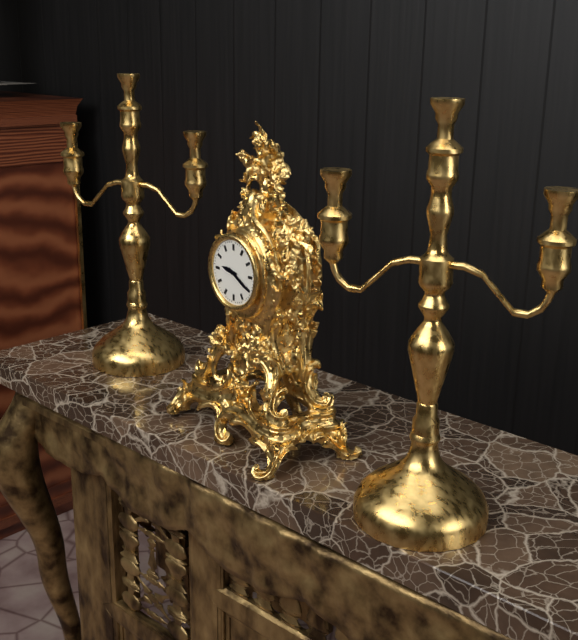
9,20
